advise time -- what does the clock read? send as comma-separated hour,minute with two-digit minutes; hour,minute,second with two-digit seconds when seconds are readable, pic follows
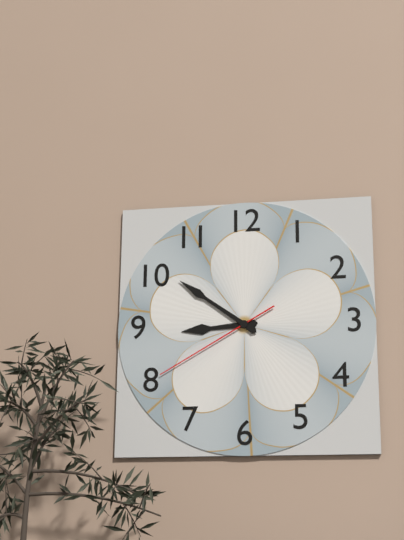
8,51,40
